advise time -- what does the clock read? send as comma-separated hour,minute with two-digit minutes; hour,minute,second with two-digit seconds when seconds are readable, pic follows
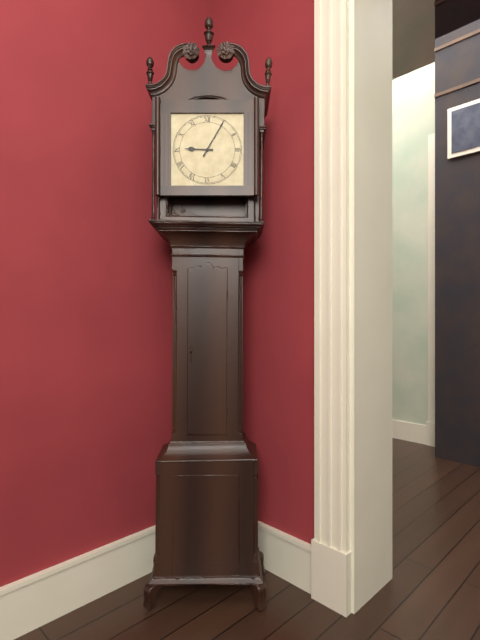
9,05
